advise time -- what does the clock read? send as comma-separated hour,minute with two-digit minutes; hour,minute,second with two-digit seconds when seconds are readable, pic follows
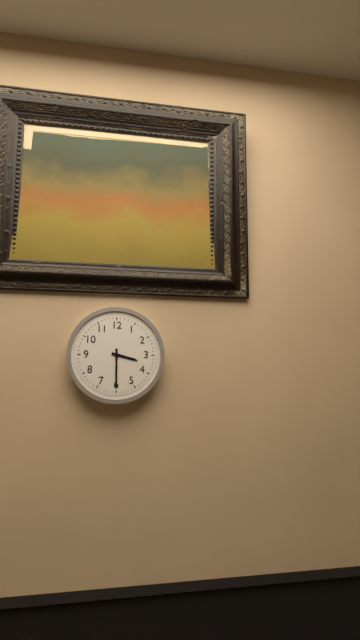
3,30
